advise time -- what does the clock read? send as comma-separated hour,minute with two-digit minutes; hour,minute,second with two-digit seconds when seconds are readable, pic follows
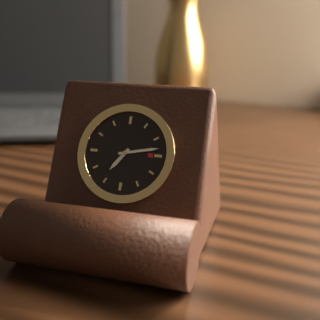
7,13
